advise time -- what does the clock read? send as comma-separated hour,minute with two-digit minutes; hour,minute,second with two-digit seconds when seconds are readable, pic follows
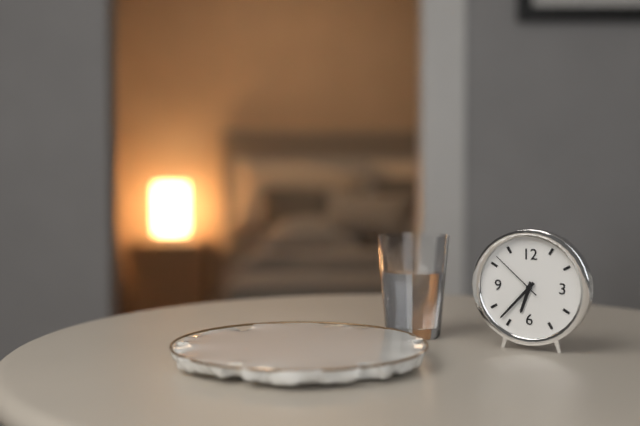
6,37,52
